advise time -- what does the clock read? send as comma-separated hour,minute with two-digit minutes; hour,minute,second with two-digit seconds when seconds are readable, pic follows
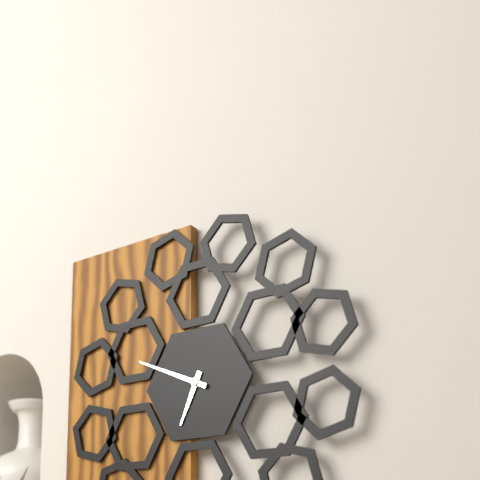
6,49
